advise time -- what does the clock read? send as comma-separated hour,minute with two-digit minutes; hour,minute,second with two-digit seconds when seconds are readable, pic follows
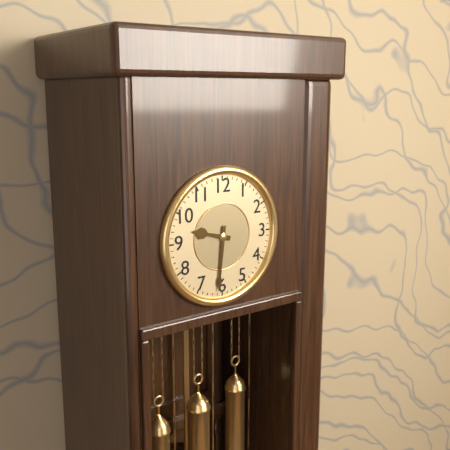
9,31
